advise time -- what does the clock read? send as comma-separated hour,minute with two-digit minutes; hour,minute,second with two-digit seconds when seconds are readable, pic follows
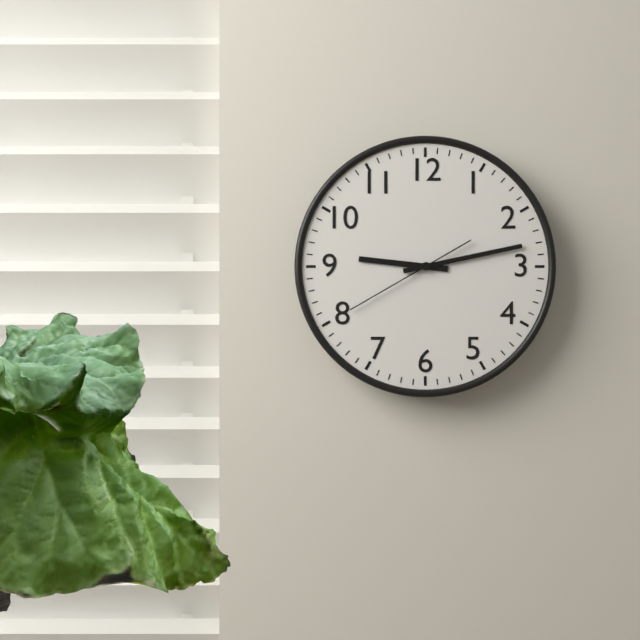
9,13,40
